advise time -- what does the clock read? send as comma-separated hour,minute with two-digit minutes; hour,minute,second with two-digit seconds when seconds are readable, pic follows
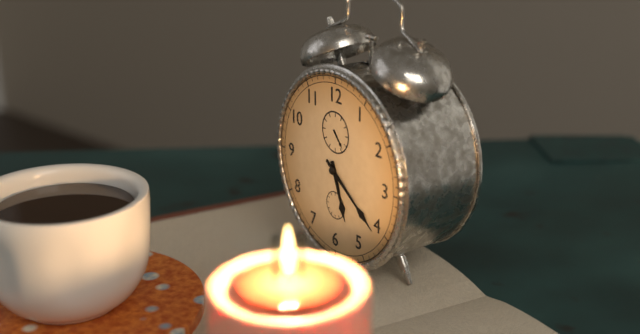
5,21
